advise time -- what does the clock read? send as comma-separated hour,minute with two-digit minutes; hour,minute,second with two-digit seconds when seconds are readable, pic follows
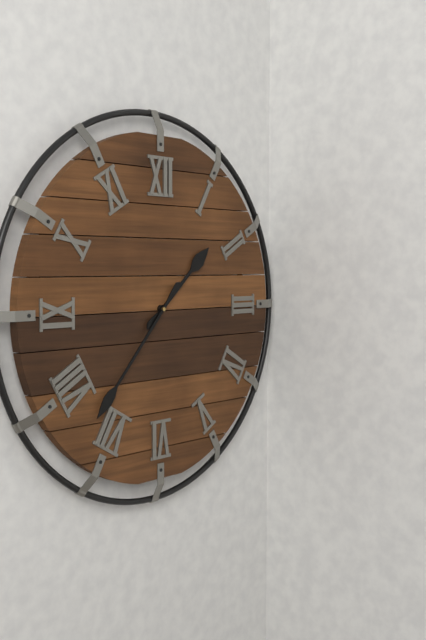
1,37
